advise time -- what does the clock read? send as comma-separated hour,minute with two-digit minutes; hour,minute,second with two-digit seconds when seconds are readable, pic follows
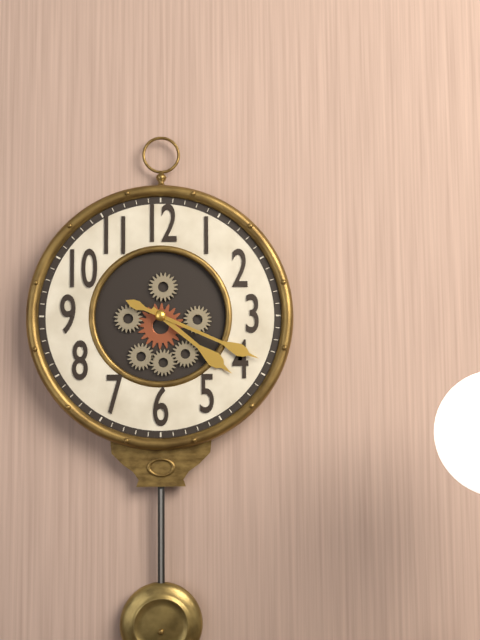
4,19
